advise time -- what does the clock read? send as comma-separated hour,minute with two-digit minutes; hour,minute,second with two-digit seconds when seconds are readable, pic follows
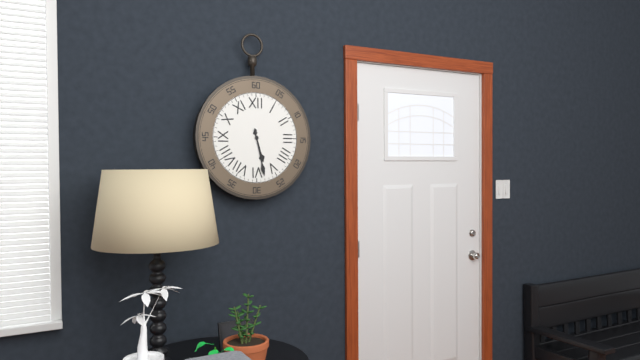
5,28
